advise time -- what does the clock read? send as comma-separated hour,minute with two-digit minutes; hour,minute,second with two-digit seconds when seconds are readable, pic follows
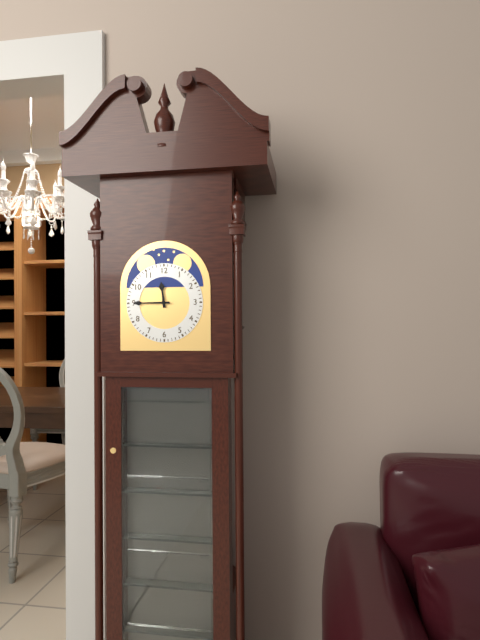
11,45
